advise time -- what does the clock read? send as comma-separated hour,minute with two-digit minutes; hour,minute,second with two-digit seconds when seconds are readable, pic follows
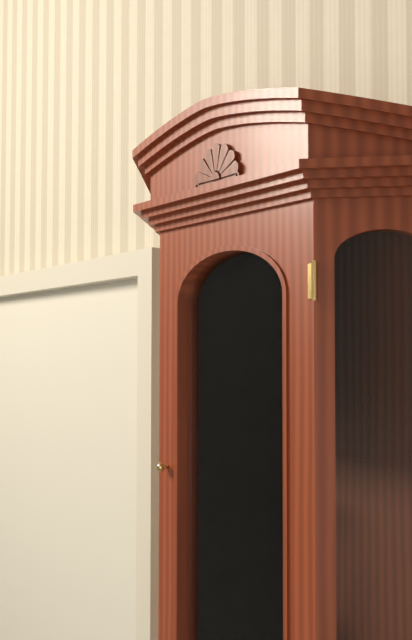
11,01
